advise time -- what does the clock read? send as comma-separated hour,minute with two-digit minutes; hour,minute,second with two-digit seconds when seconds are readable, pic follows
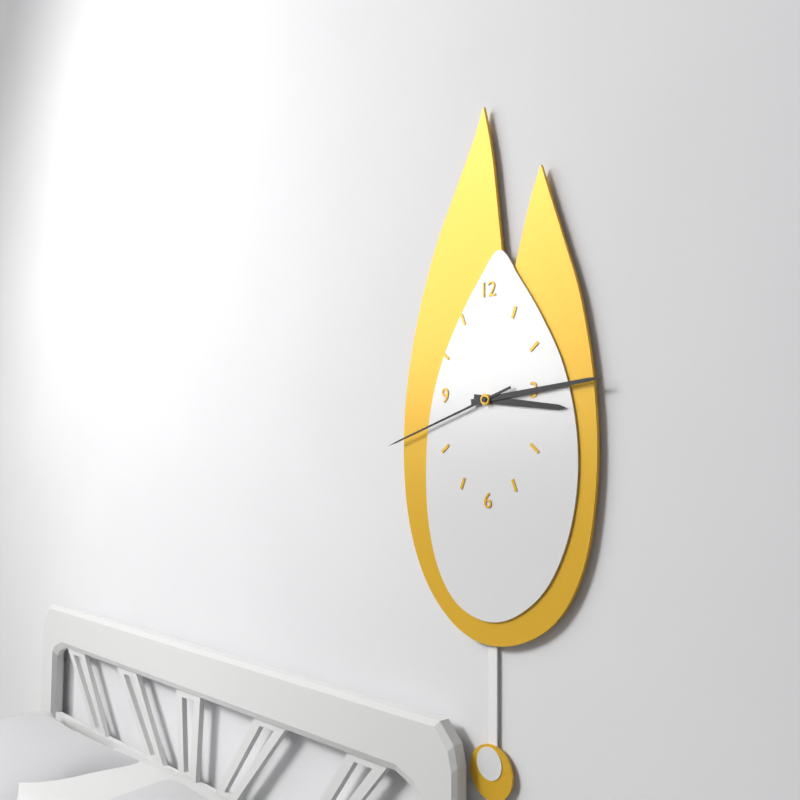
3,14,42
